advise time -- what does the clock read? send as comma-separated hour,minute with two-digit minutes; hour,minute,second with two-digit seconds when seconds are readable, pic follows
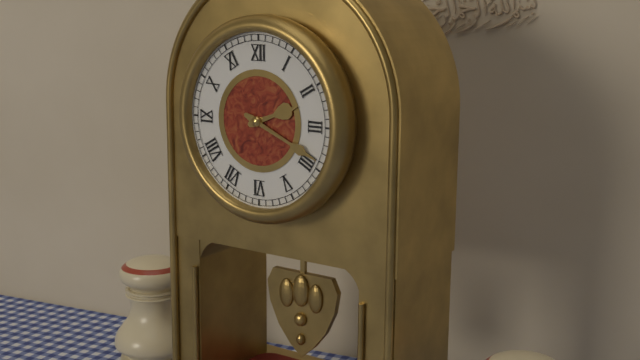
2,19
